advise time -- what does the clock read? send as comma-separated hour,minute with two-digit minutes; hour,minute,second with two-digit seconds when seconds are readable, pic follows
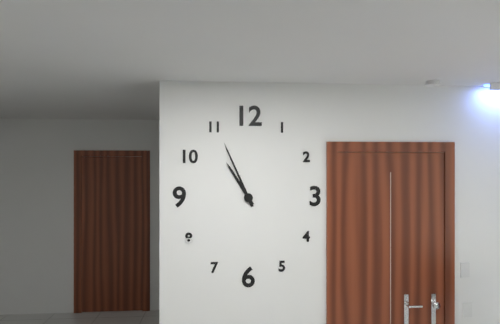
10,56
